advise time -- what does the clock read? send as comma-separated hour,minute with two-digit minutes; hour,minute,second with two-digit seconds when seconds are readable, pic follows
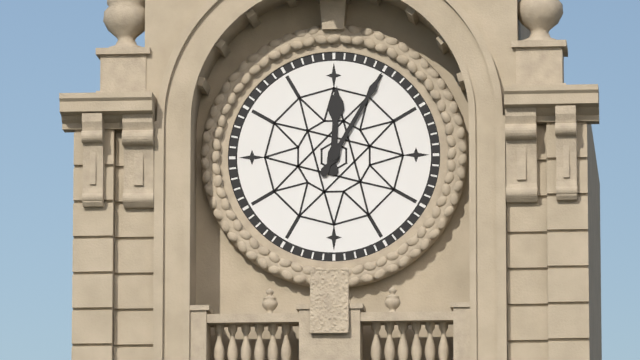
12,05
